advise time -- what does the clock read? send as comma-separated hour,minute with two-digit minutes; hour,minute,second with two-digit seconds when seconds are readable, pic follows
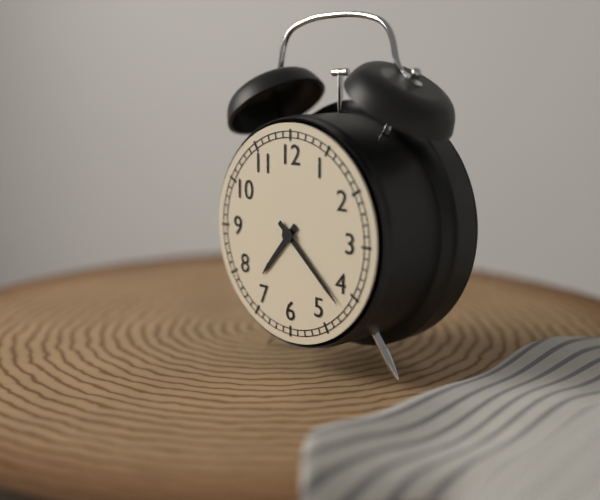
7,22
